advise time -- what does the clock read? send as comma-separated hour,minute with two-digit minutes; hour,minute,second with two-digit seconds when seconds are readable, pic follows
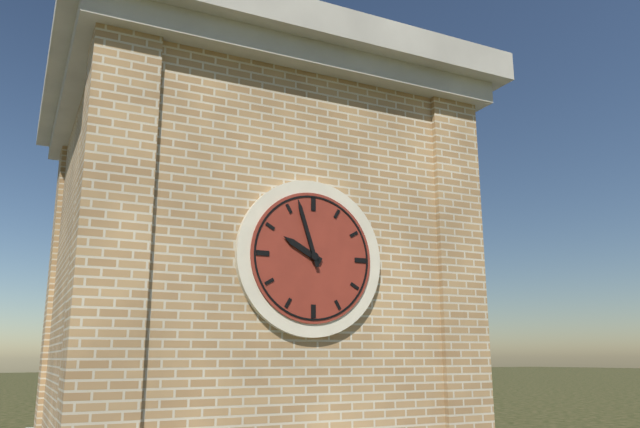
9,57
